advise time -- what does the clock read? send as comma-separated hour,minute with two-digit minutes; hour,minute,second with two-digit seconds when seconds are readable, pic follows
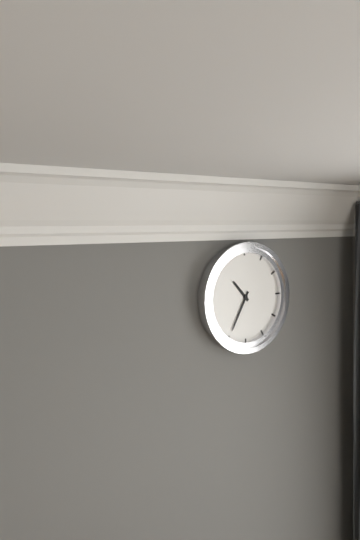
10,35
